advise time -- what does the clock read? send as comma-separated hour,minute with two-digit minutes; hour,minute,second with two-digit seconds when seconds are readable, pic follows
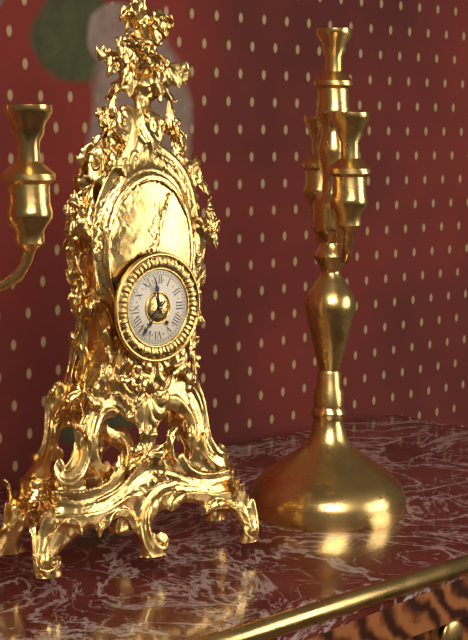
11,37
